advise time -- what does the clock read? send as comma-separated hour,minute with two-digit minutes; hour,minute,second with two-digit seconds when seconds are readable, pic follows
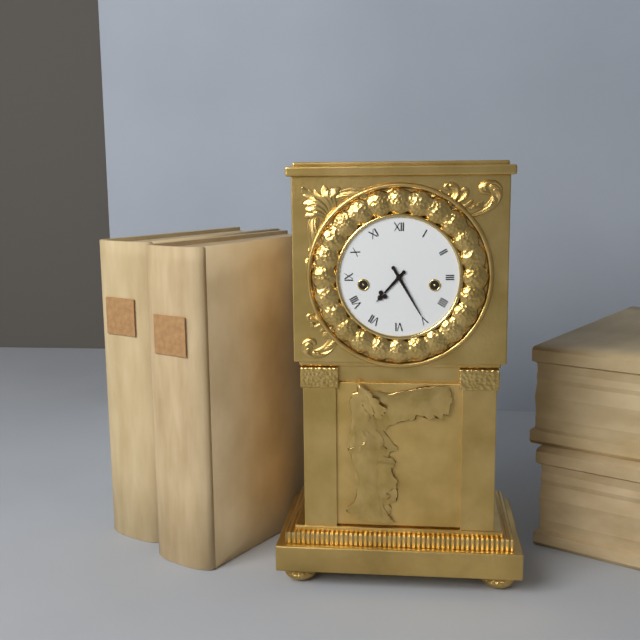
7,25
